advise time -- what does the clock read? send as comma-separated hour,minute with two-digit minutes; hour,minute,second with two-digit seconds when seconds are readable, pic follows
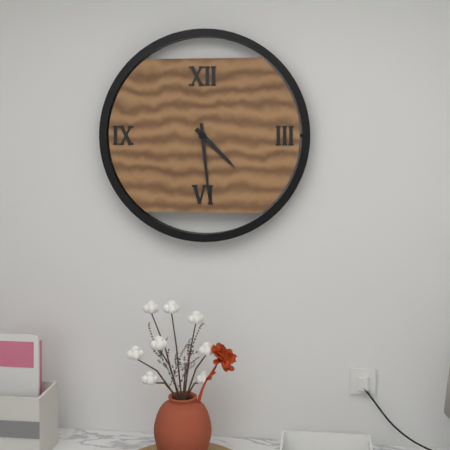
4,29
